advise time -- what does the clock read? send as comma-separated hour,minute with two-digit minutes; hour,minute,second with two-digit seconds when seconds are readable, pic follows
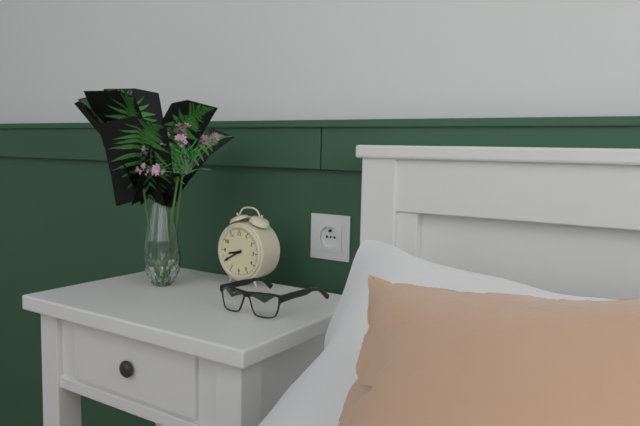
8,40
